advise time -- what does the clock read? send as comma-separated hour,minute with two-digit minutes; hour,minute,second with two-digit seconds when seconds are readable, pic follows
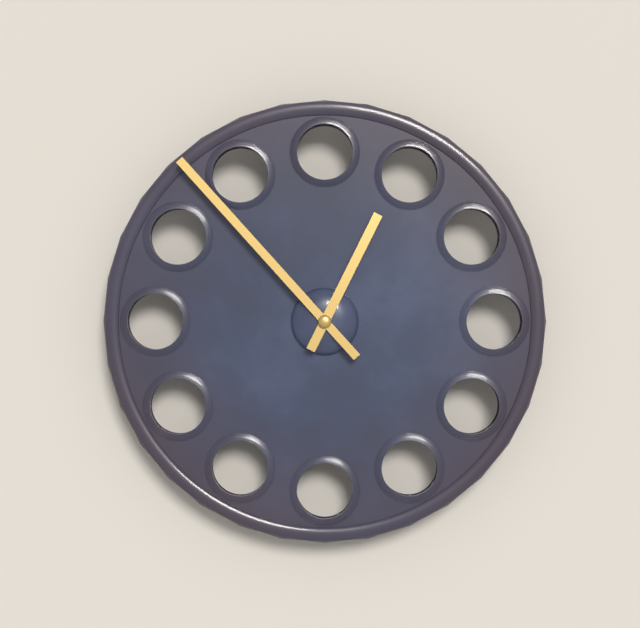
12,53
